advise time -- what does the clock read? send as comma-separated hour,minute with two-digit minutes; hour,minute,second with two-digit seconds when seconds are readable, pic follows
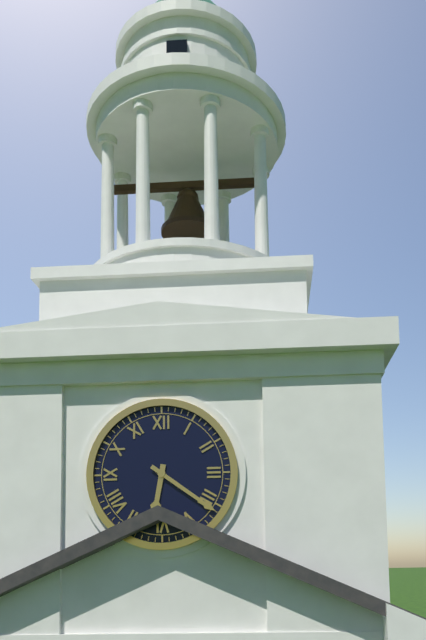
6,21
